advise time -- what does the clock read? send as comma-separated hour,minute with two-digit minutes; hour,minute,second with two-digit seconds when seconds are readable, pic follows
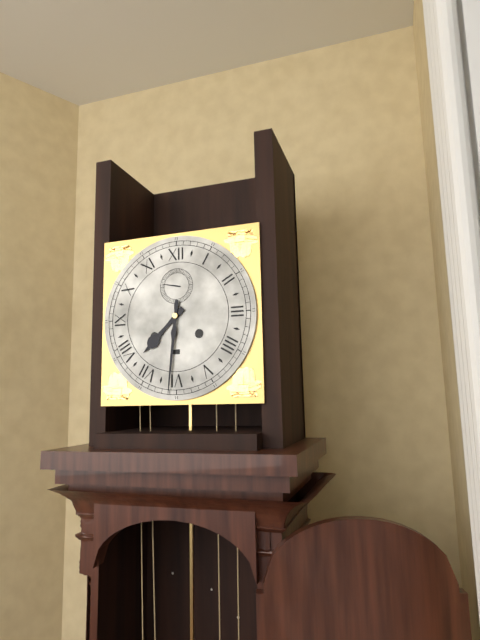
7,31
